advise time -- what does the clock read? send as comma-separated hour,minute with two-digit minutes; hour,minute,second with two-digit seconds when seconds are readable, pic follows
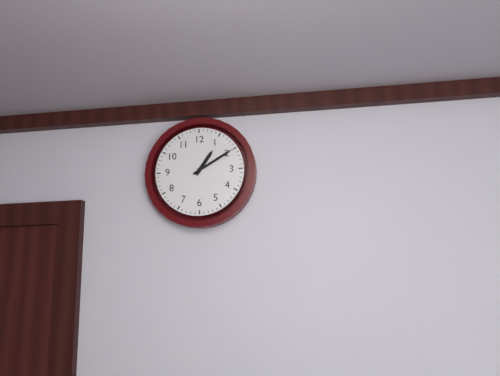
1,10
